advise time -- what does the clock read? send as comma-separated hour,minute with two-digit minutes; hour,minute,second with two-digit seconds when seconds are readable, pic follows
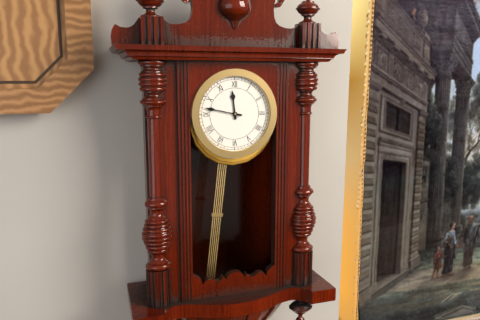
11,47
